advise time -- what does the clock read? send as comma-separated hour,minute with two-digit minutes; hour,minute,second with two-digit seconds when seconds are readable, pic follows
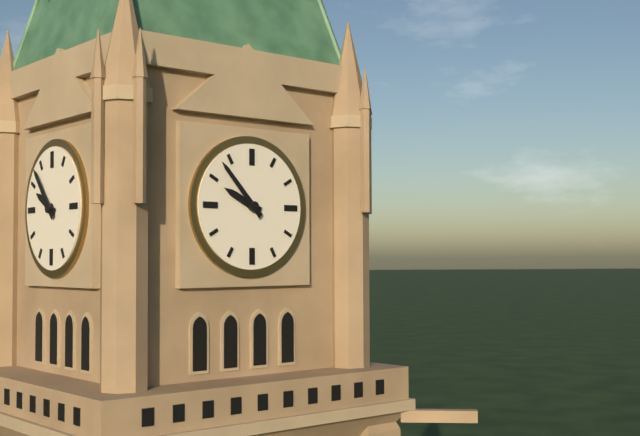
9,53
